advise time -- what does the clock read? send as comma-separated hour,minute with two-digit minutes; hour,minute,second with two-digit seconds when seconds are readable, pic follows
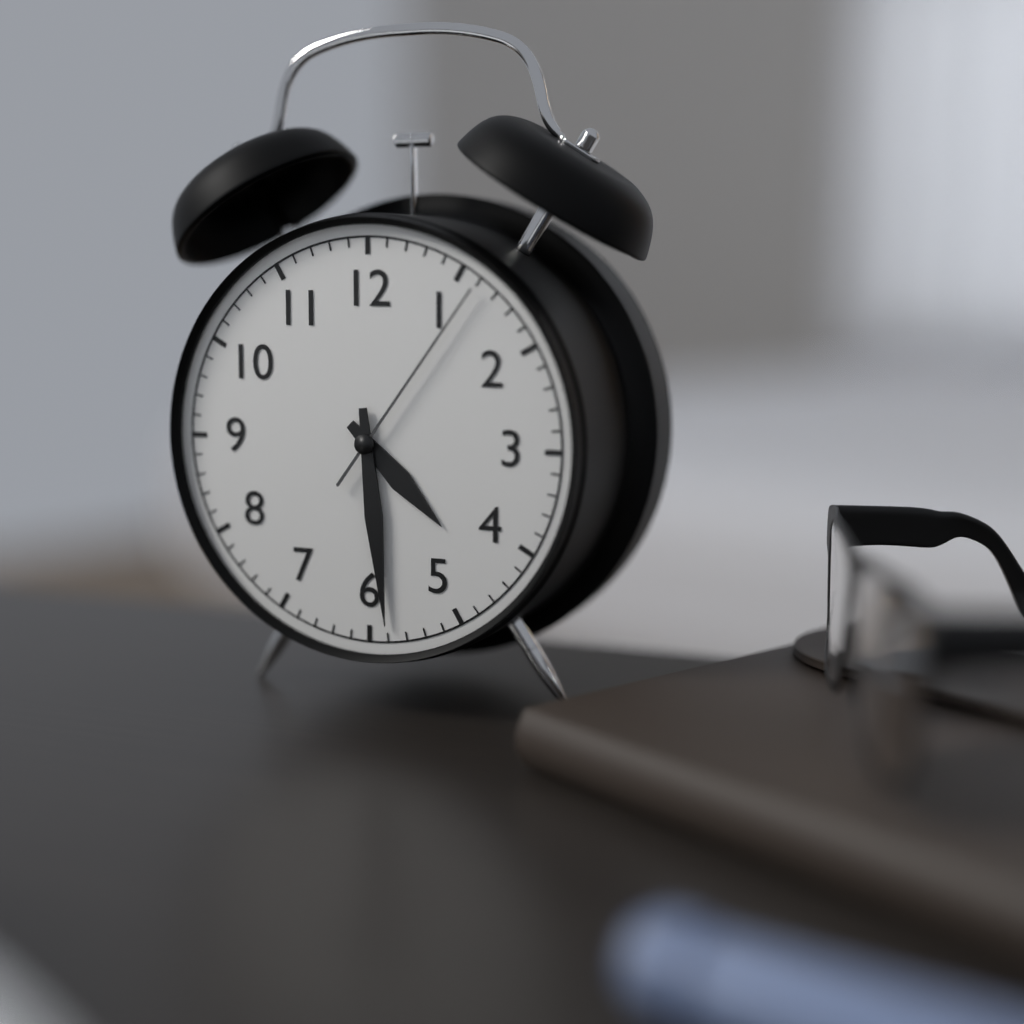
4,29,06
